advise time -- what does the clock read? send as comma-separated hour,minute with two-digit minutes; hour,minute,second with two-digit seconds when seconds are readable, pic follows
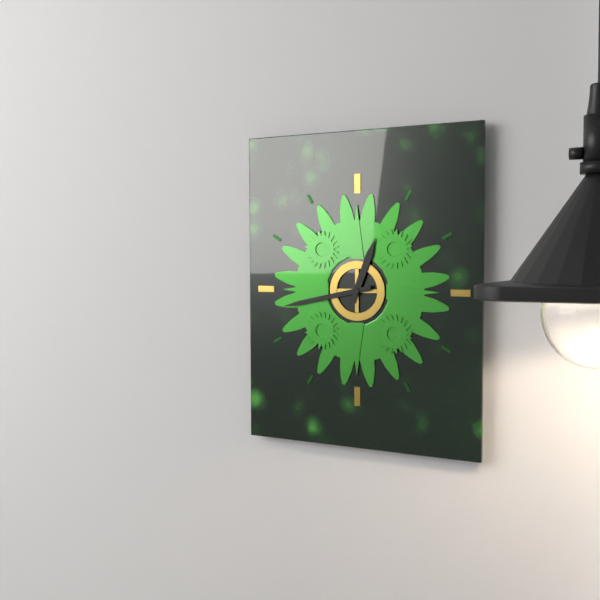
12,43
